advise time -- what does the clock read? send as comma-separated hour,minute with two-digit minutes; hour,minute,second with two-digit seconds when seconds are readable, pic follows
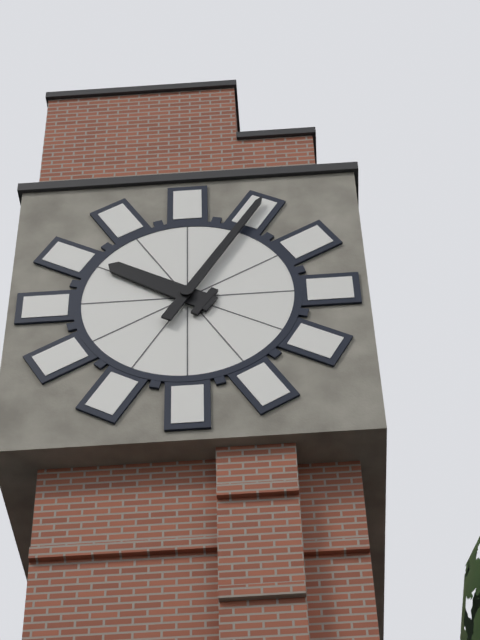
10,05
